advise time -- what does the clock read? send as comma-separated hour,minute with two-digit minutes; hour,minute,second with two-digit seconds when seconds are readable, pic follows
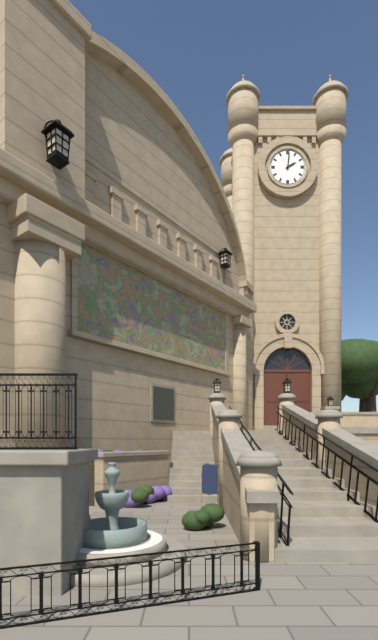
2,01
